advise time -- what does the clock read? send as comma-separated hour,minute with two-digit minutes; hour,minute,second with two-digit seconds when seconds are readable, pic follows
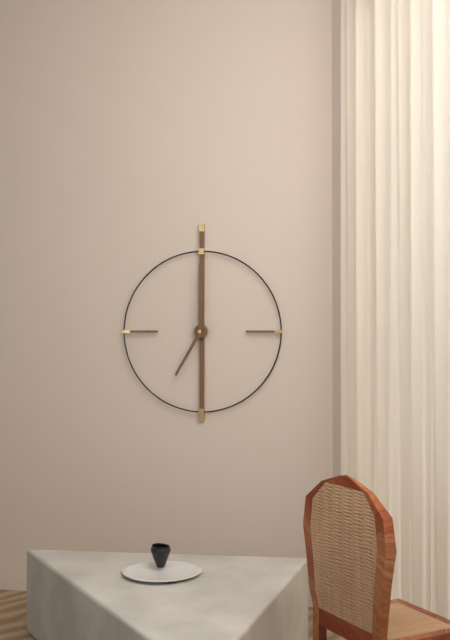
7,00
